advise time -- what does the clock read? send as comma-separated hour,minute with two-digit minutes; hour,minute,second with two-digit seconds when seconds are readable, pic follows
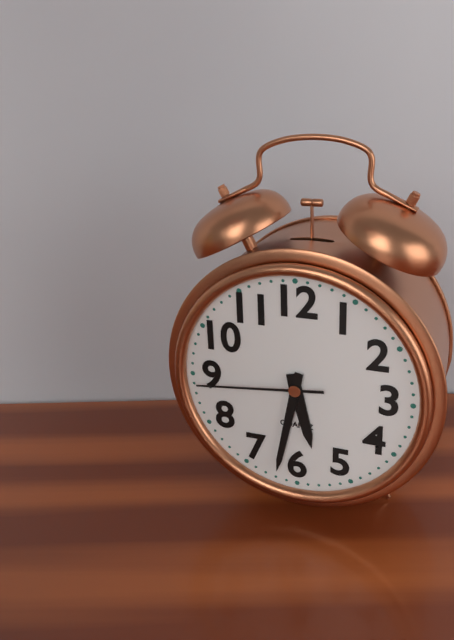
5,32,44
